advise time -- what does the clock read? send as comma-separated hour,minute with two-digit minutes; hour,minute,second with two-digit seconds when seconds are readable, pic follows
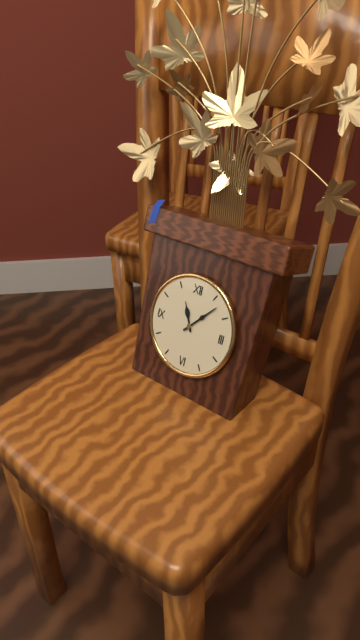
11,07
